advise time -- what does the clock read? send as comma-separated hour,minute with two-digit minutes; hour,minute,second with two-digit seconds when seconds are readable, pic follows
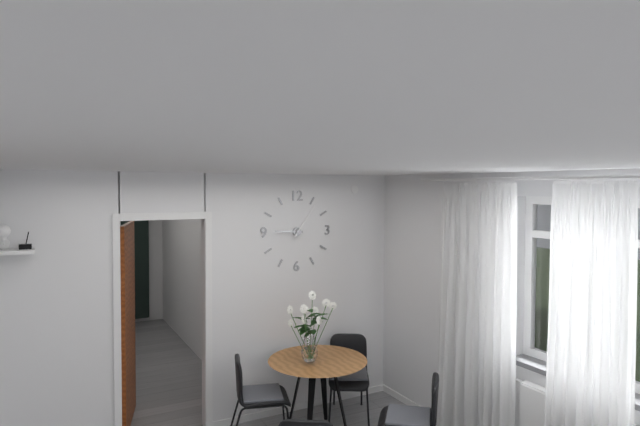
9,06
